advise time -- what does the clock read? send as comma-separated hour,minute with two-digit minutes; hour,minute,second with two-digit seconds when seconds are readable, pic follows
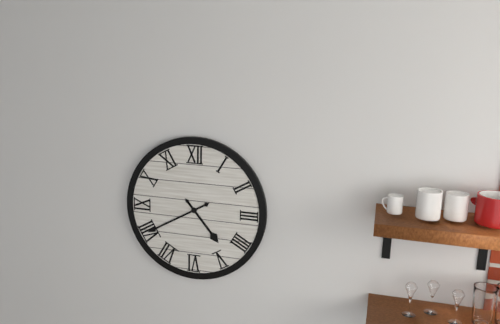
4,40
